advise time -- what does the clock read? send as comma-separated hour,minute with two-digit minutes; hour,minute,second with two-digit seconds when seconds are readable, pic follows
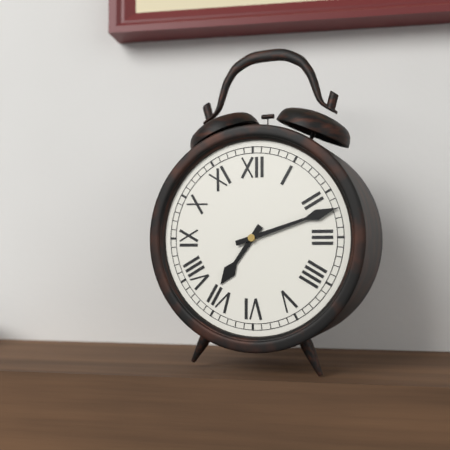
7,12
